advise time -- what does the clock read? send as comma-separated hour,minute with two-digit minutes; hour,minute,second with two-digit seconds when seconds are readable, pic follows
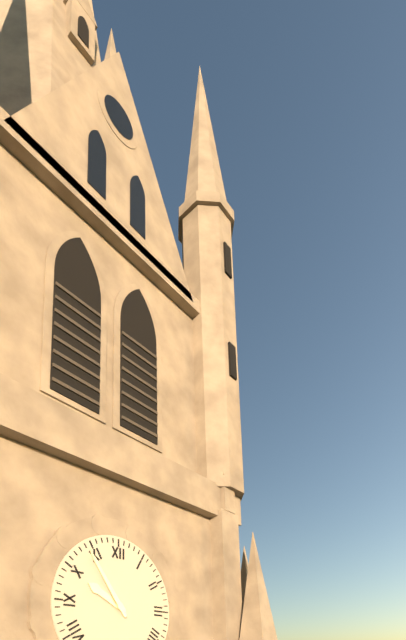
9,54
